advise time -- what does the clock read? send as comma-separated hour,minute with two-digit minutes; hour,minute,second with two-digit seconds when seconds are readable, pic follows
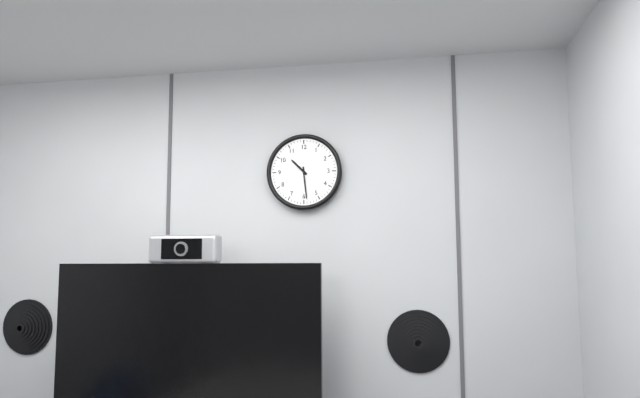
10,29
